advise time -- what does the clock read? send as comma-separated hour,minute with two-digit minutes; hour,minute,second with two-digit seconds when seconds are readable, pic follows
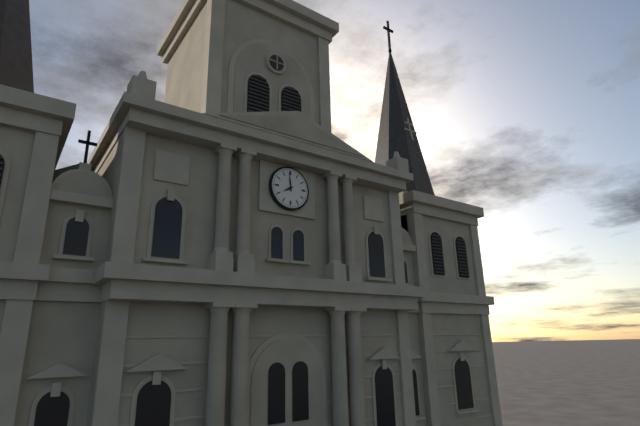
7,59
